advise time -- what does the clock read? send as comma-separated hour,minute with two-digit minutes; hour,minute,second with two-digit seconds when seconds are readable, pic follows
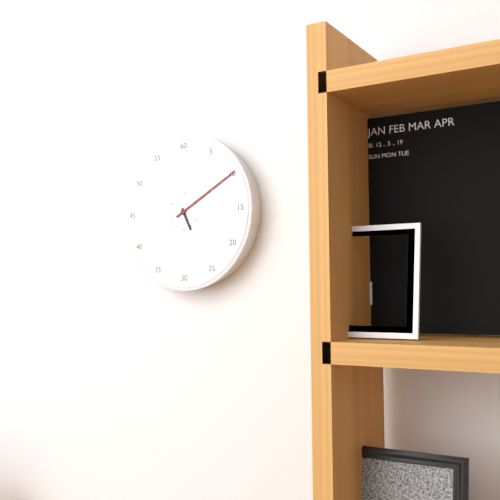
5,10
